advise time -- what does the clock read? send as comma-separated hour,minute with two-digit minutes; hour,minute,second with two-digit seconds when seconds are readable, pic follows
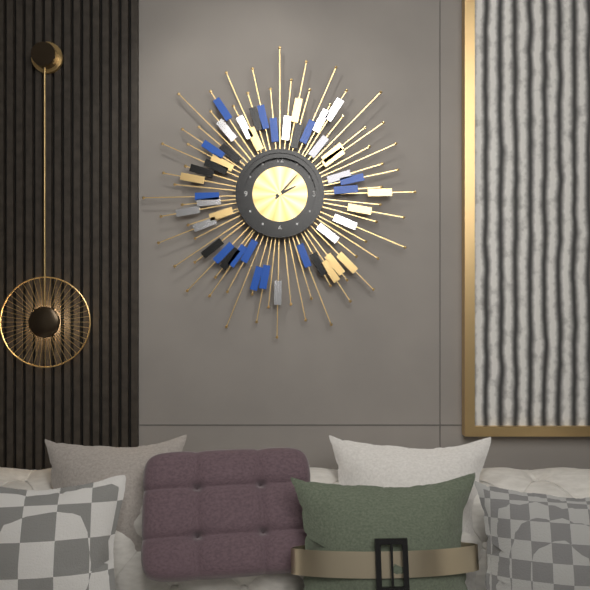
2,07
